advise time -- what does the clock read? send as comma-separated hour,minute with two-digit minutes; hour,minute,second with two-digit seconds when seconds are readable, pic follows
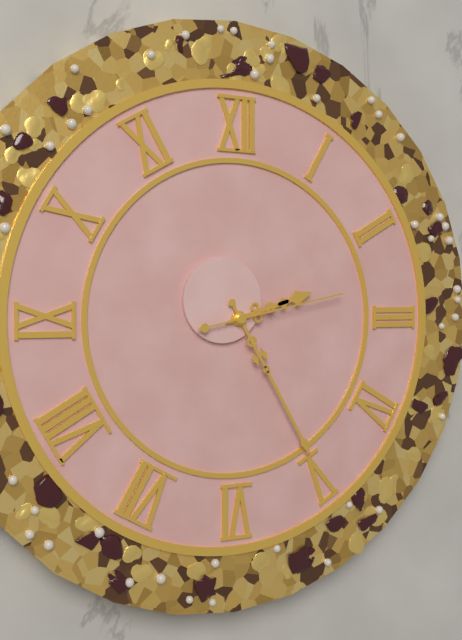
2,25,13
